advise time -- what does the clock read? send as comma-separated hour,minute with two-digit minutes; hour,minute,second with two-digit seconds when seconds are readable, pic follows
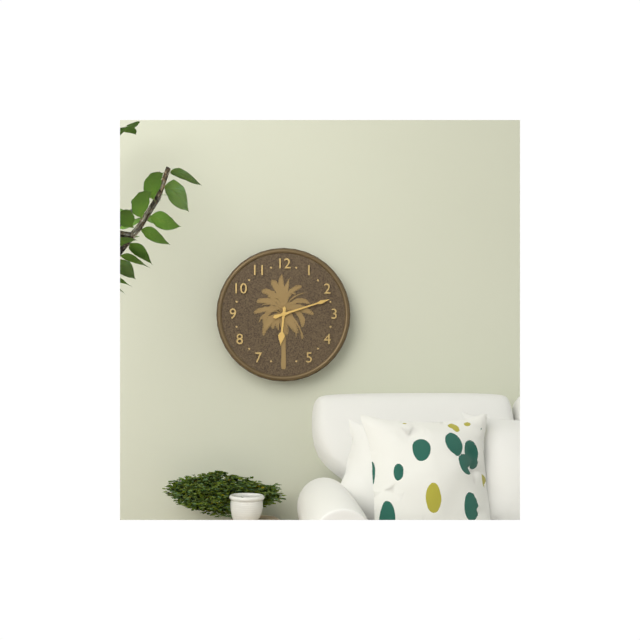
6,12
